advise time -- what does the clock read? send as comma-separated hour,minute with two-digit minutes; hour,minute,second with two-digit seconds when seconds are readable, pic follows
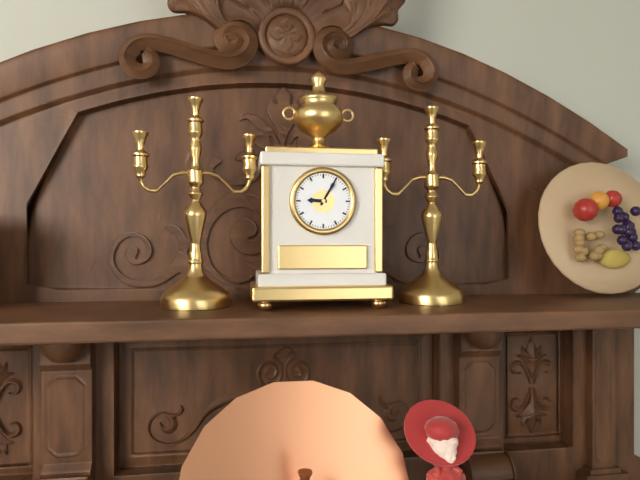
9,05
